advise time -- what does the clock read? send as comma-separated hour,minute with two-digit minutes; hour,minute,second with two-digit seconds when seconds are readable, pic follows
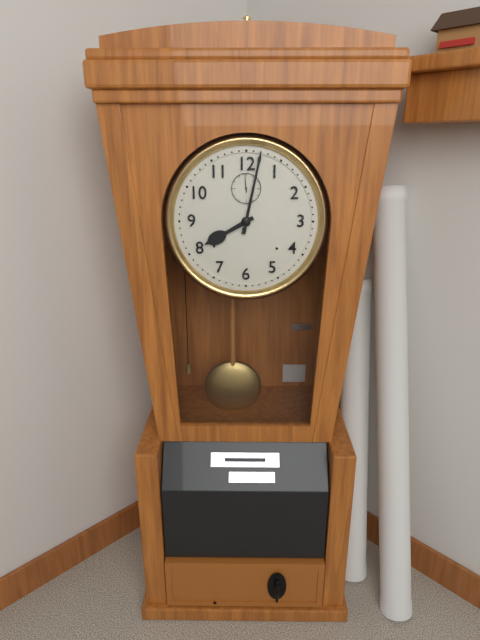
8,02
